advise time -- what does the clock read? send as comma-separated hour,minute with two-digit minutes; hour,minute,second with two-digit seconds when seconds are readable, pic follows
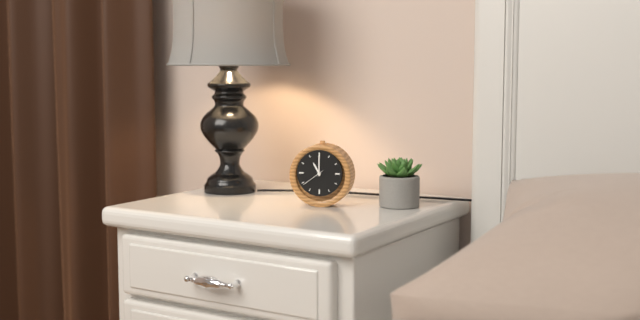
11,00
